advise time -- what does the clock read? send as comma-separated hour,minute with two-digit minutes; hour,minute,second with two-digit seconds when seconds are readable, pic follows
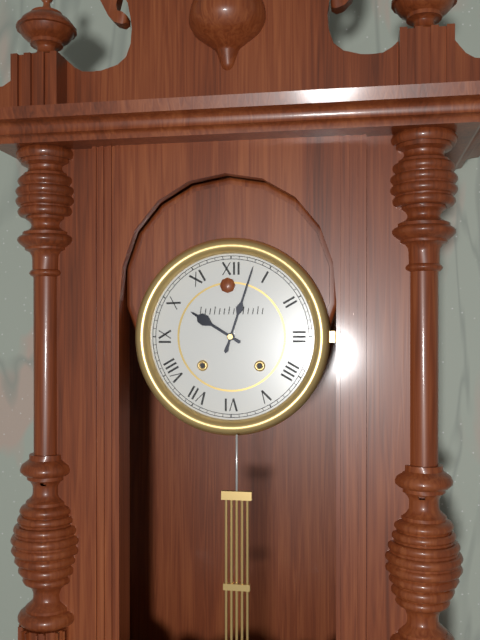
10,03
